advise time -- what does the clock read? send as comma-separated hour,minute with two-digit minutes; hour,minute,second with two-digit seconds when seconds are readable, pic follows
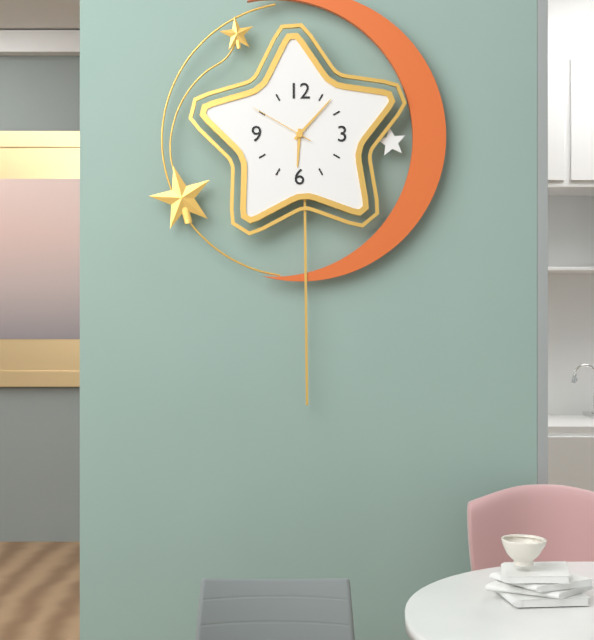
6,07,50
